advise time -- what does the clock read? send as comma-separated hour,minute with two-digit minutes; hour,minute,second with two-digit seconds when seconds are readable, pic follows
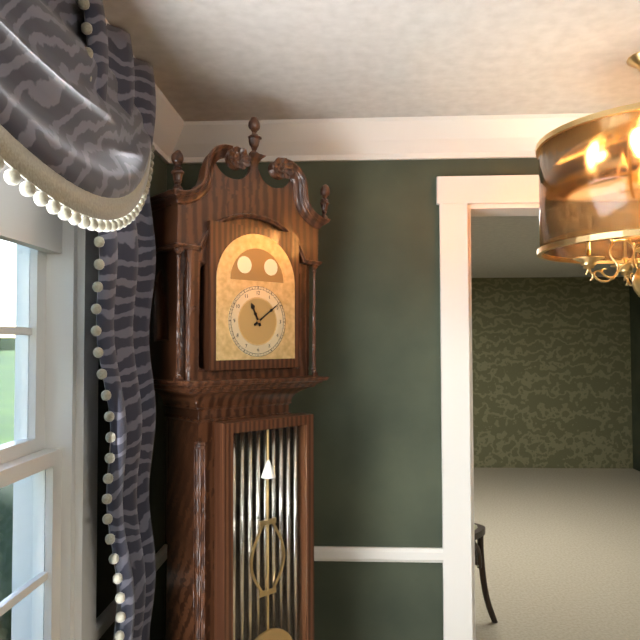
11,09
